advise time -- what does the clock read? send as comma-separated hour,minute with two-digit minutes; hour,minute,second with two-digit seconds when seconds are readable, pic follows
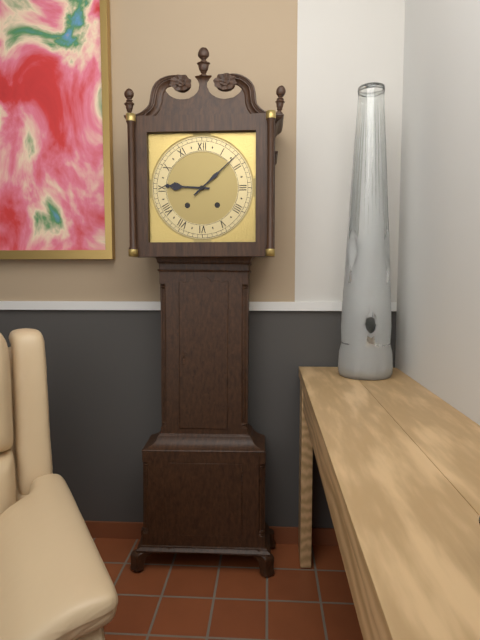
9,08
